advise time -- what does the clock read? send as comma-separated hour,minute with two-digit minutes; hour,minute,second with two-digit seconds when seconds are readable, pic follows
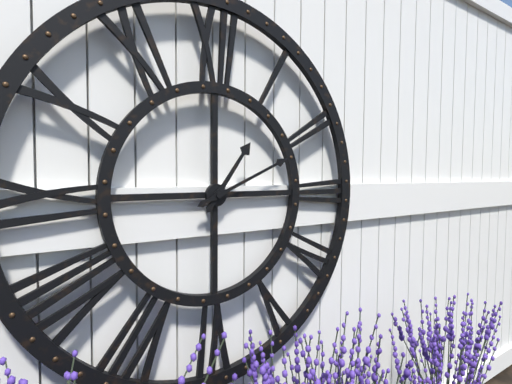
1,11
